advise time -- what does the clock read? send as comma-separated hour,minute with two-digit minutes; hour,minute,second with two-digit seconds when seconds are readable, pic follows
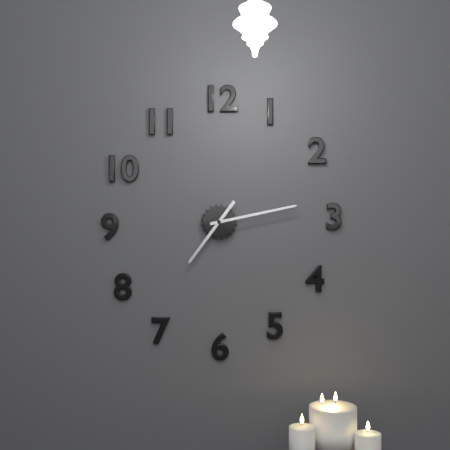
7,13
